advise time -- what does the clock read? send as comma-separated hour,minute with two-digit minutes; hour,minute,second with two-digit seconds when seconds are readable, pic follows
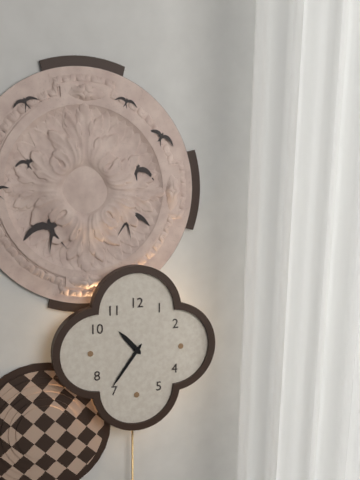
10,36
